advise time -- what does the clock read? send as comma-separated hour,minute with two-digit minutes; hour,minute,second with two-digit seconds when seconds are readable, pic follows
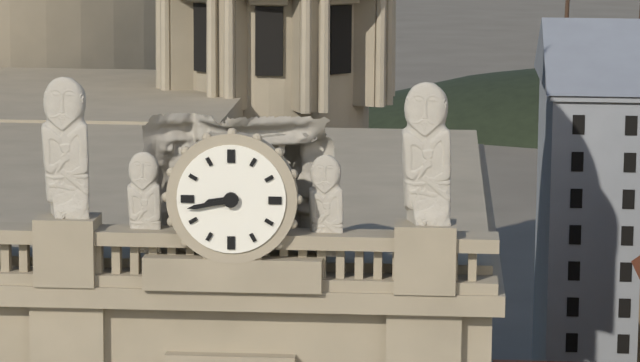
8,43
